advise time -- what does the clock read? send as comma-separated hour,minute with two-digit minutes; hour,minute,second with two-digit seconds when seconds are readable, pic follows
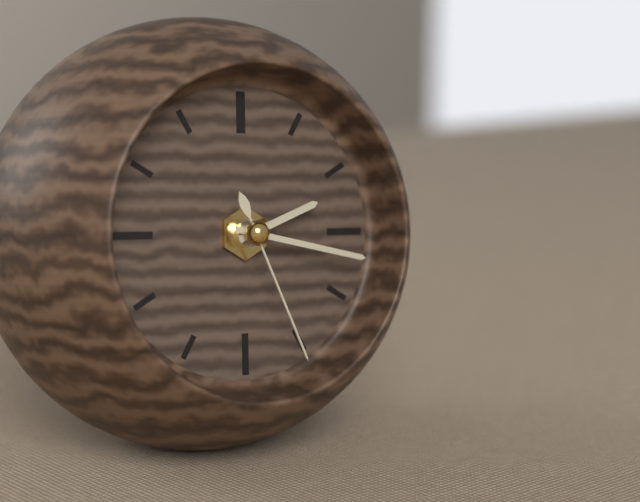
2,17,26
